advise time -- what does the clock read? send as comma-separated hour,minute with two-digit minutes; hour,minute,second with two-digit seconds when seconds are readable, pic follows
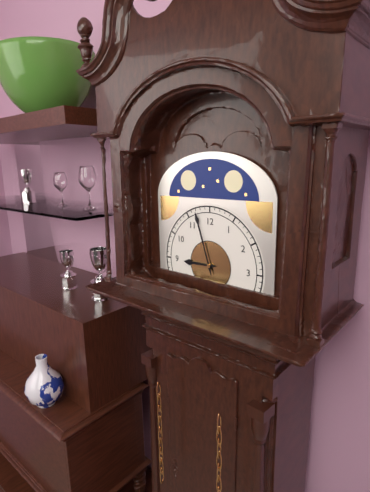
8,57
